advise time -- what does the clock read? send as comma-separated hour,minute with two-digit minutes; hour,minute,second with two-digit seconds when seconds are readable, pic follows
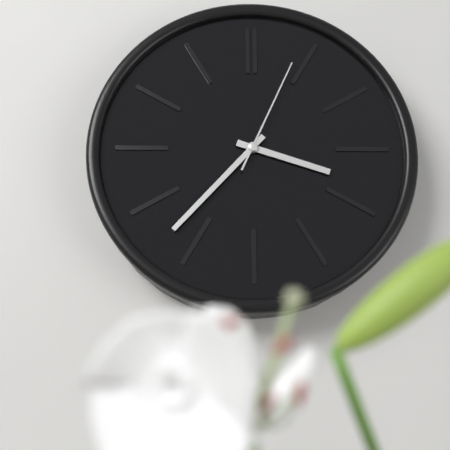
3,37,04
